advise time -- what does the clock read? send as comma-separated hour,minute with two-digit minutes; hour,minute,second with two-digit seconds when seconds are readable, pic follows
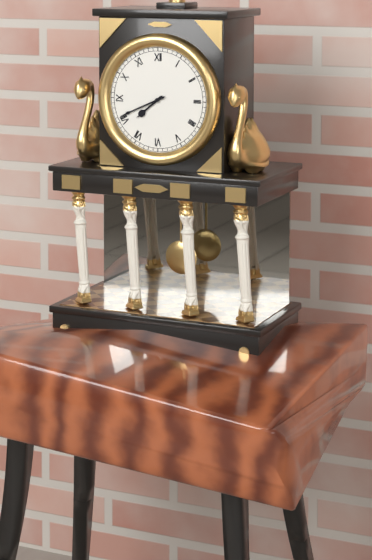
7,41
